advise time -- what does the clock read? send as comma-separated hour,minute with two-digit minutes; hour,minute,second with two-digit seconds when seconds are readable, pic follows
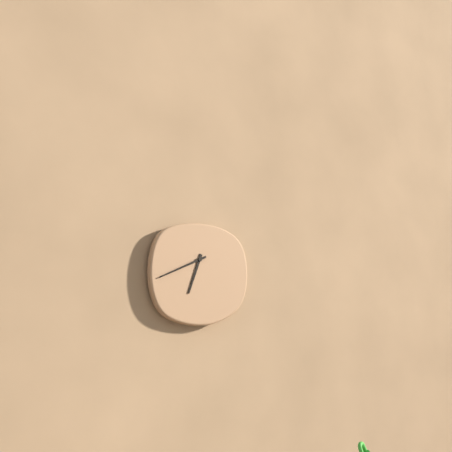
6,41
